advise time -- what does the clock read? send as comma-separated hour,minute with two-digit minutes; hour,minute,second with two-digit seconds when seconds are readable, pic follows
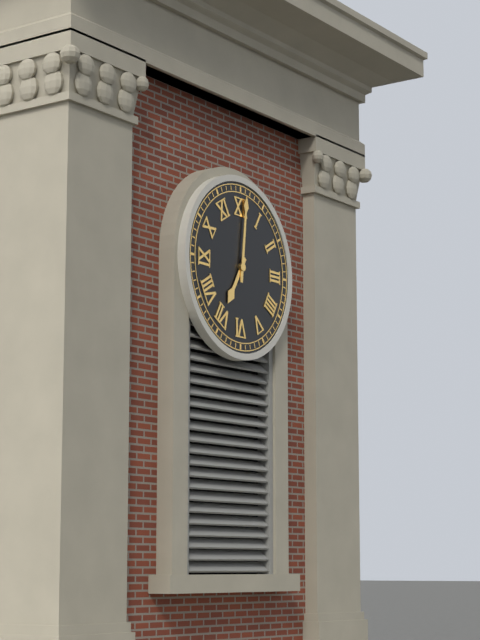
7,01
